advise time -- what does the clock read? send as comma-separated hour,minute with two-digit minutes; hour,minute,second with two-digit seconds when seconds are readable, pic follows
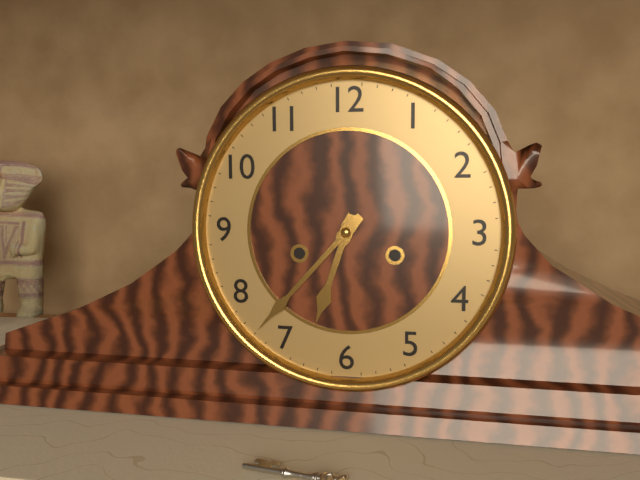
6,37
